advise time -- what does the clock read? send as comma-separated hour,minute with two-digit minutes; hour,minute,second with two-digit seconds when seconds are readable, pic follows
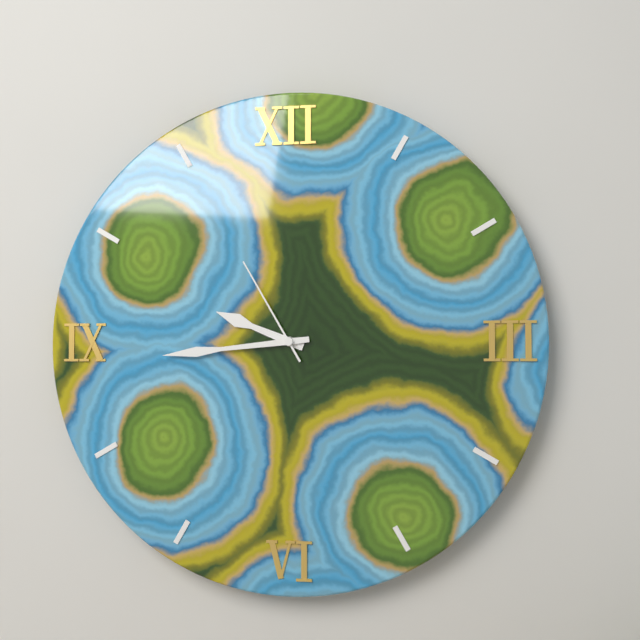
9,44,55
